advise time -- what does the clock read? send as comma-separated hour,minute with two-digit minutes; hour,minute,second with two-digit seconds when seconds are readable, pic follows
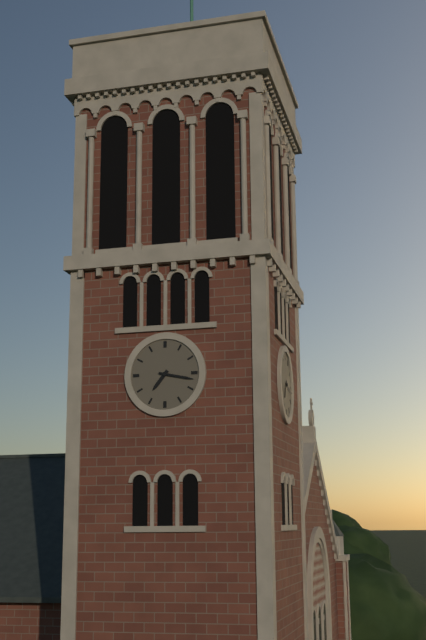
7,17
